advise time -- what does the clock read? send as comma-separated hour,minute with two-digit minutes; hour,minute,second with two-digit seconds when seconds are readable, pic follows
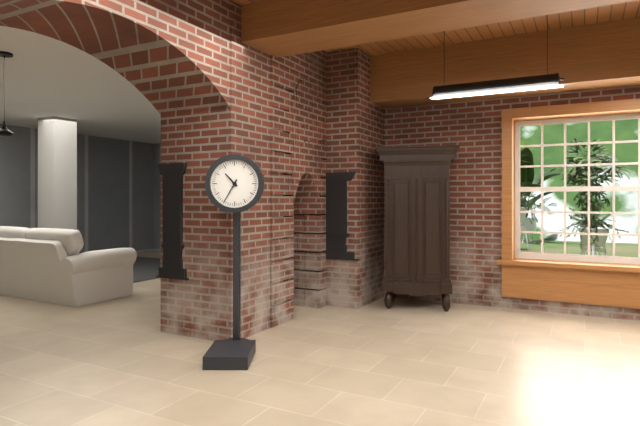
10,35
